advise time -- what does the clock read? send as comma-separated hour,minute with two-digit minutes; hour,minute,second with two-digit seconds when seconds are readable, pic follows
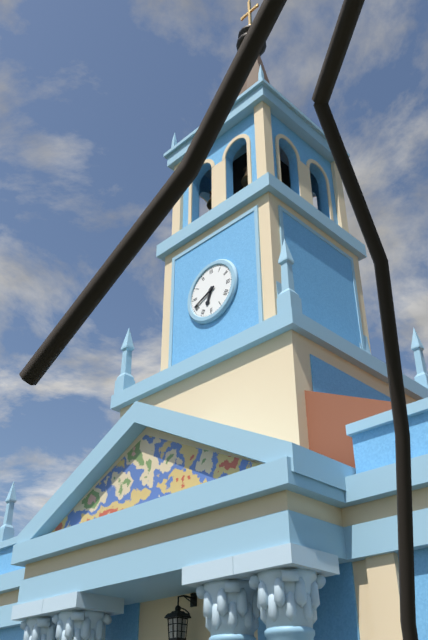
6,41
